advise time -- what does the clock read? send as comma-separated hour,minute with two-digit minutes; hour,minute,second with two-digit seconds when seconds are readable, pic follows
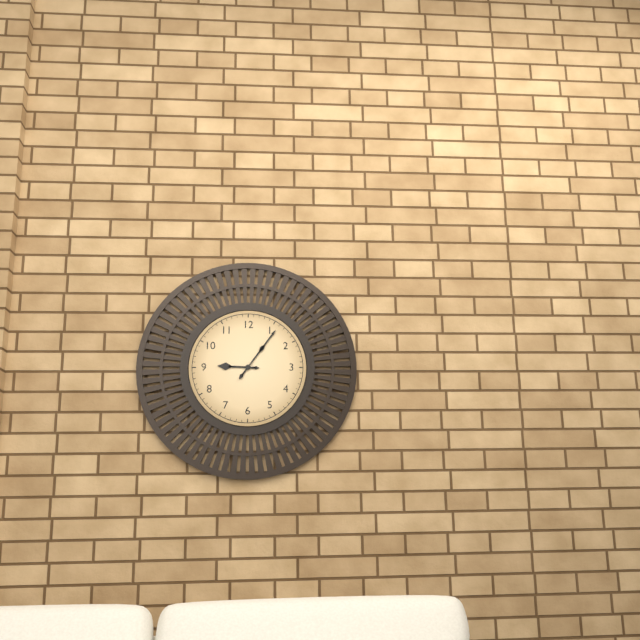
9,06
